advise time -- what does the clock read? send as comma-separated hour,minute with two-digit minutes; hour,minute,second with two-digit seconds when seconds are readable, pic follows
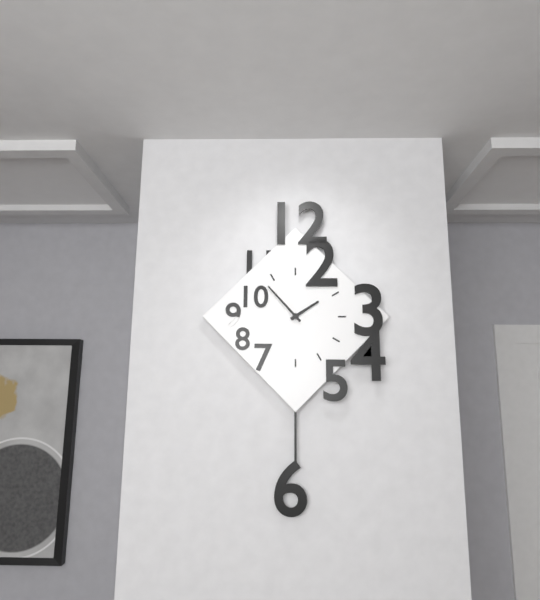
1,53
